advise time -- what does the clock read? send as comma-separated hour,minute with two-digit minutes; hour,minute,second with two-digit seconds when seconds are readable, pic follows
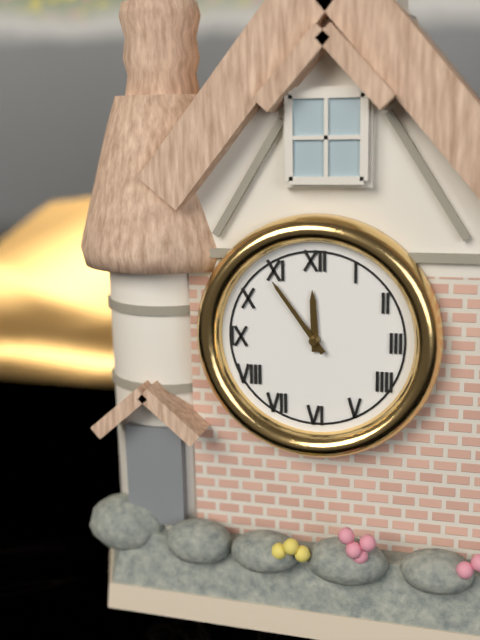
11,54
